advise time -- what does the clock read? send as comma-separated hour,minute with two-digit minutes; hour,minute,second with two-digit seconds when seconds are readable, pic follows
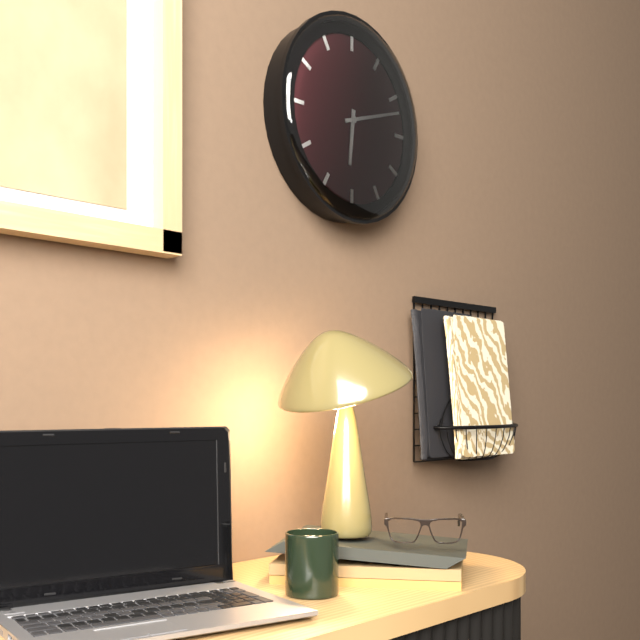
6,12
